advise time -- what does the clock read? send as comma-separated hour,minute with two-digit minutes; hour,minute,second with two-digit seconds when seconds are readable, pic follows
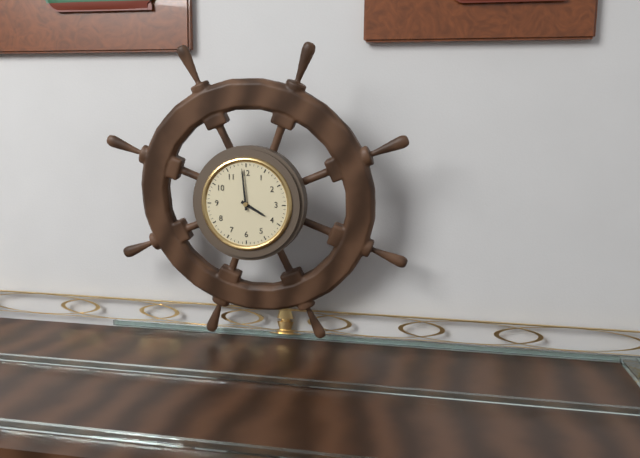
3,59
